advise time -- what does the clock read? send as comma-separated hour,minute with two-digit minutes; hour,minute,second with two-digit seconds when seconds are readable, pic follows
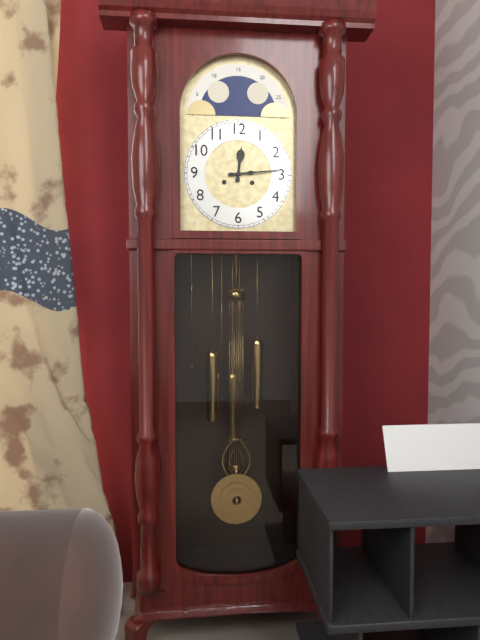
12,14
